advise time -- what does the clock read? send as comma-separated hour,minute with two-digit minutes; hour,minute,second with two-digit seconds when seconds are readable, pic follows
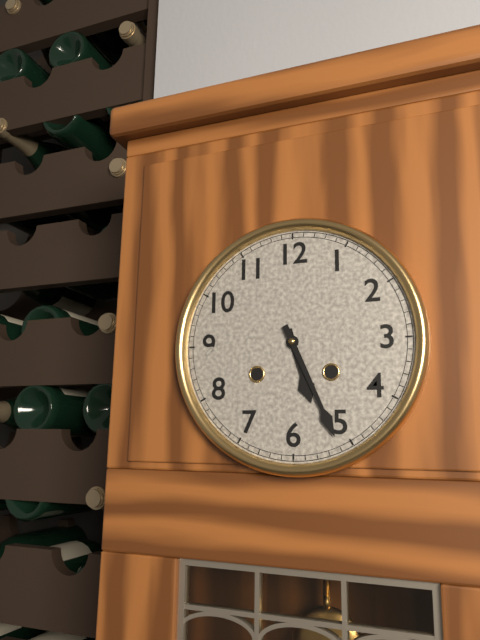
5,26
